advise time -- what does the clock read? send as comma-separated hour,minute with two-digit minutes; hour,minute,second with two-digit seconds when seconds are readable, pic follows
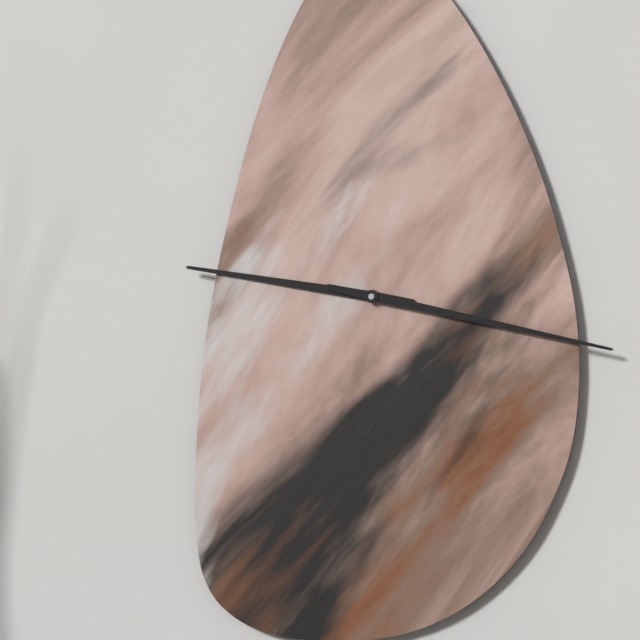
9,17
